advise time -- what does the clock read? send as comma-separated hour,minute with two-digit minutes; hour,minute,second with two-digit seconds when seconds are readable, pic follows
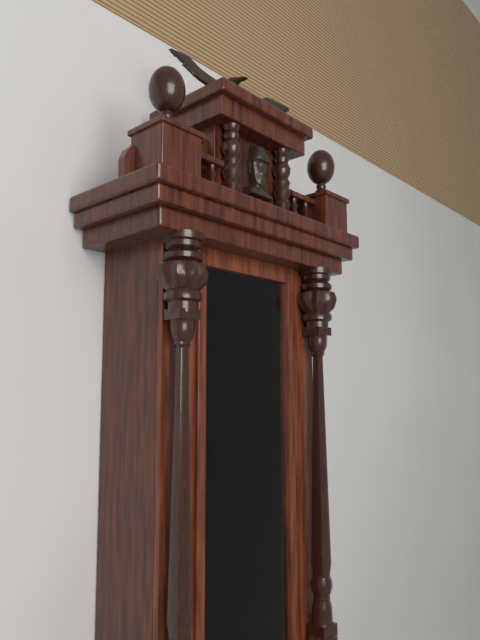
1,30
